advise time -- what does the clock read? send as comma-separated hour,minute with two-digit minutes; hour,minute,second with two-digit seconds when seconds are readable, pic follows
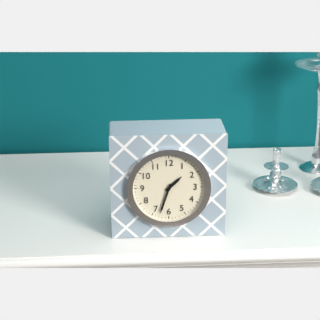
1,33
